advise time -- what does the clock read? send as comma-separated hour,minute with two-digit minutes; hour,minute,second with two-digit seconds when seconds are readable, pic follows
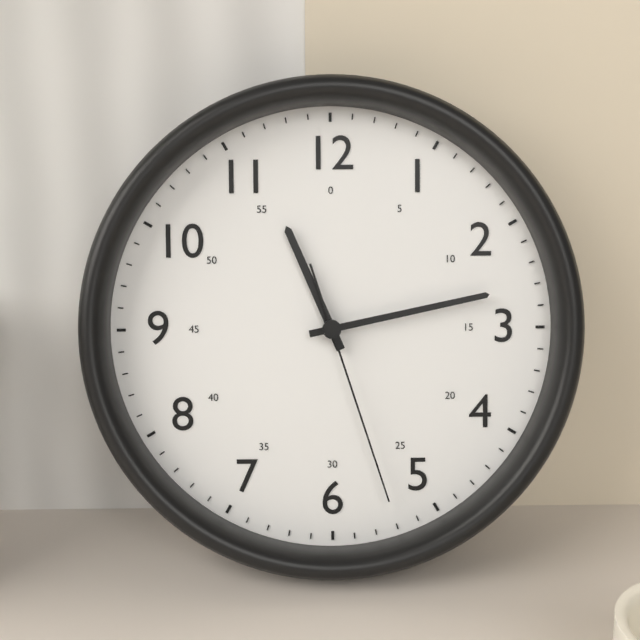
11,13,27
